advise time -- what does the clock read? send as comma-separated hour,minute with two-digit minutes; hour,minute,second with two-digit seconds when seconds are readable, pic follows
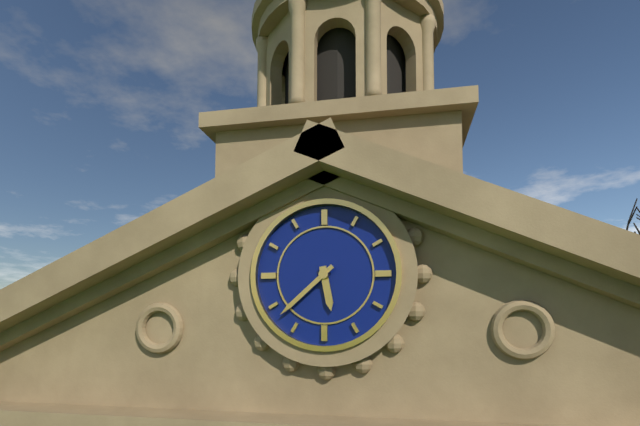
5,38
